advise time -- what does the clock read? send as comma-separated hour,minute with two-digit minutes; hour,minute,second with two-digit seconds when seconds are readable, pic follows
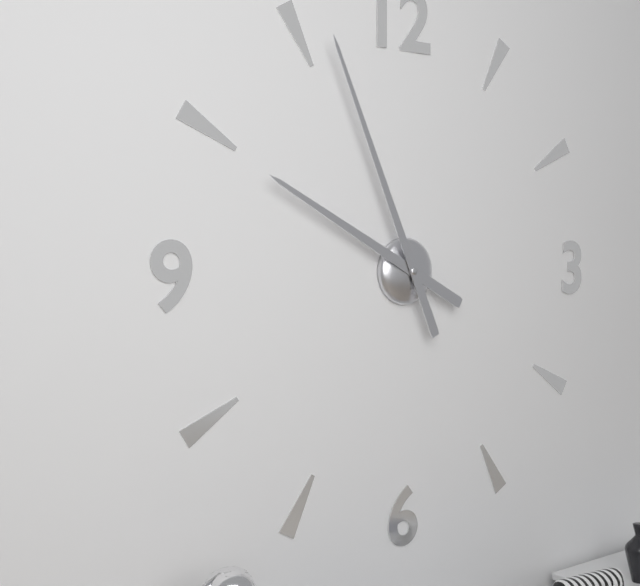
9,56
